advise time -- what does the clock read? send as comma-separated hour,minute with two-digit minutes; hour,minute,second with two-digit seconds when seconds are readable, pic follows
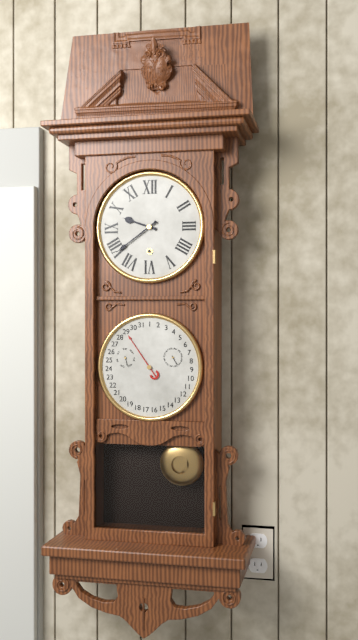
9,39
